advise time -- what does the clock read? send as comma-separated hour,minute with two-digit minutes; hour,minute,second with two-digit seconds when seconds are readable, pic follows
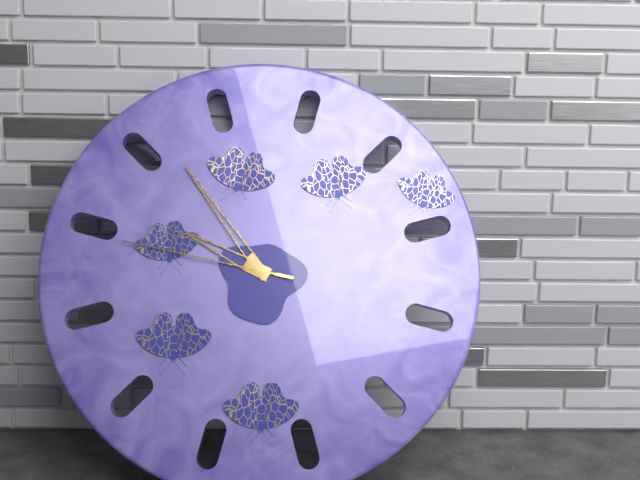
9,54,47
